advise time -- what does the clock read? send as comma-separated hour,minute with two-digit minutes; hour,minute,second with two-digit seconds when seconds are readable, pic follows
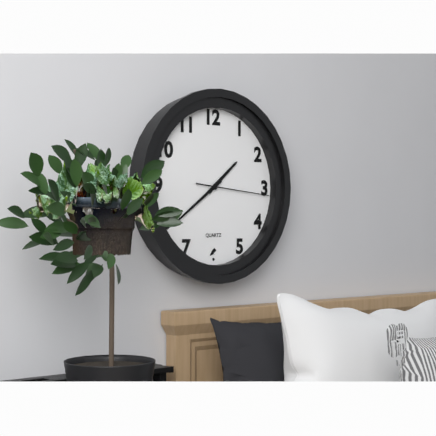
1,39,16
